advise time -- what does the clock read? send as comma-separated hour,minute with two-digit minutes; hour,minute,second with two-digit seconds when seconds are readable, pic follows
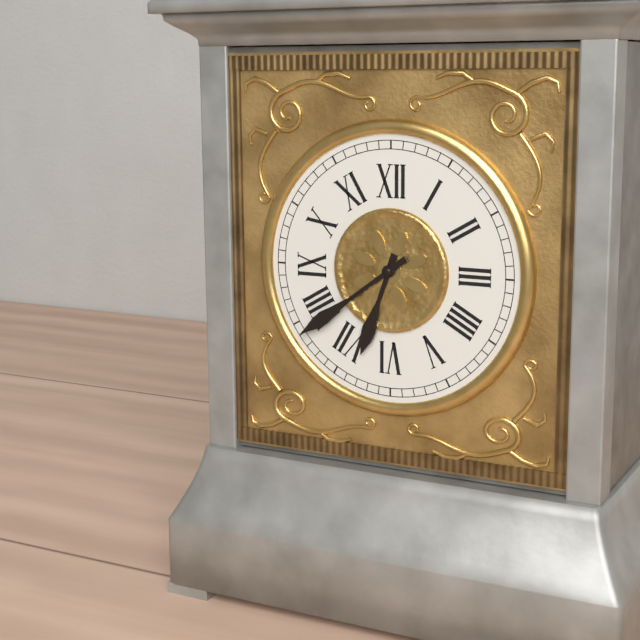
6,39
